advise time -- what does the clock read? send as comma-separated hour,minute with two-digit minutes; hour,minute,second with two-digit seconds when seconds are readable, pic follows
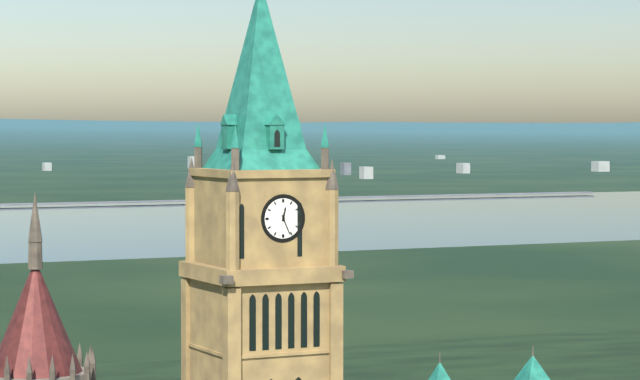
12,26
